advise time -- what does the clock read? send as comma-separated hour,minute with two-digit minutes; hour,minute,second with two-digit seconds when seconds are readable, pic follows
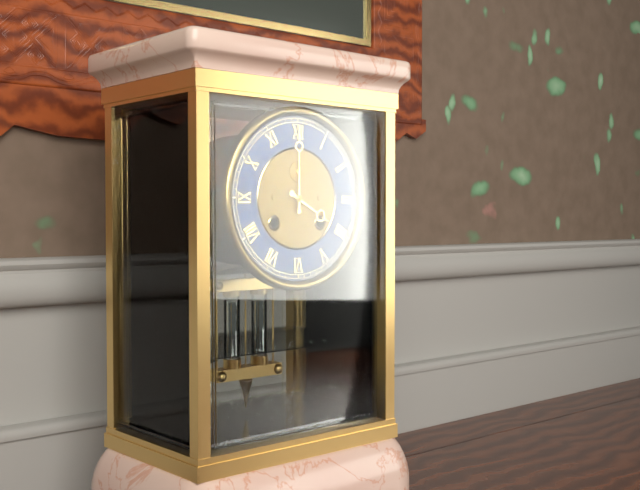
4,00
